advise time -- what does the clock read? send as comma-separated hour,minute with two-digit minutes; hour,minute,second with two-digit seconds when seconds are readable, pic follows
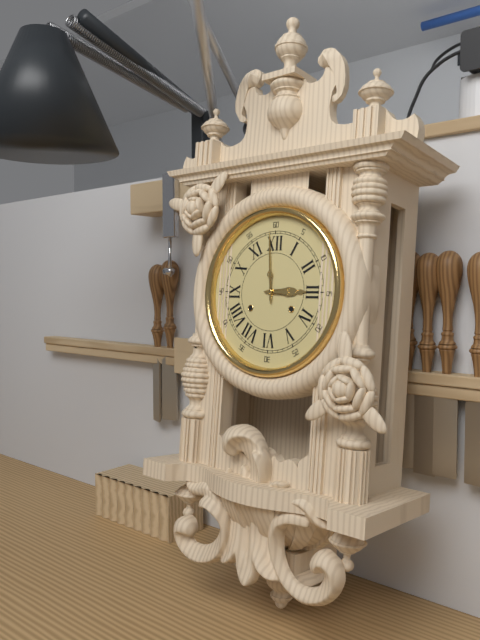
2,59
